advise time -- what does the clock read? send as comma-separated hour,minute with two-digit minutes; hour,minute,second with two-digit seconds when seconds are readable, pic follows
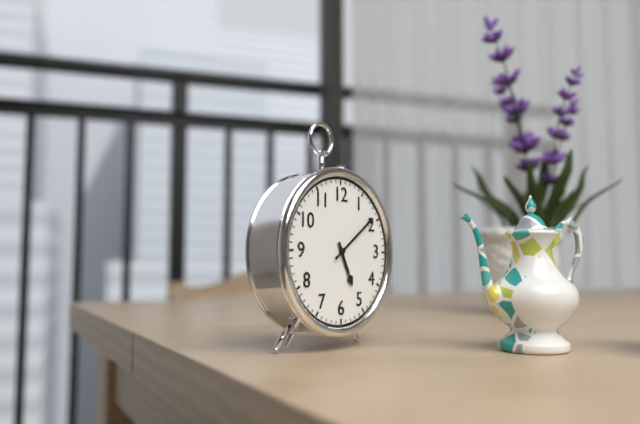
5,09
